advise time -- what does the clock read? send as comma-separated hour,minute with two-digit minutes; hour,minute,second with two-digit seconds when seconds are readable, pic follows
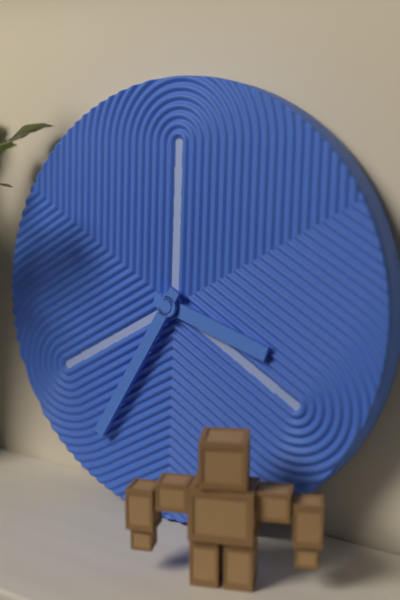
3,35
